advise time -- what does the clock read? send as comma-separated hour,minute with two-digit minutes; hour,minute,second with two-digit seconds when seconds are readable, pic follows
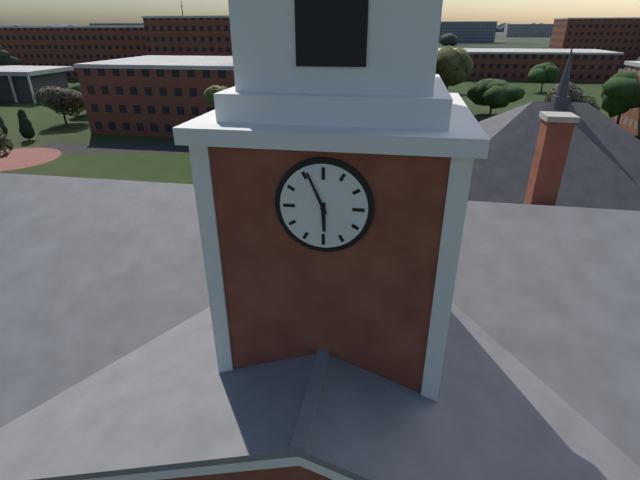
5,56
